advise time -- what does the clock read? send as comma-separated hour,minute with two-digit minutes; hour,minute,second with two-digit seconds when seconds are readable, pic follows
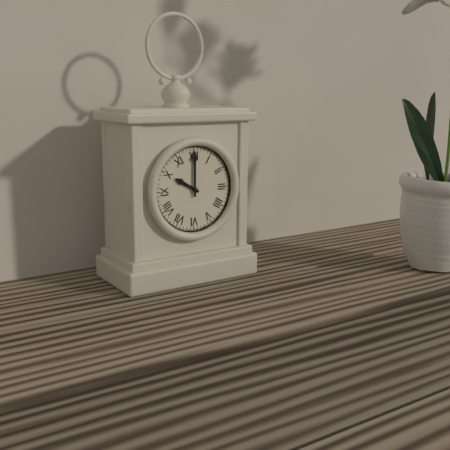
10,00
